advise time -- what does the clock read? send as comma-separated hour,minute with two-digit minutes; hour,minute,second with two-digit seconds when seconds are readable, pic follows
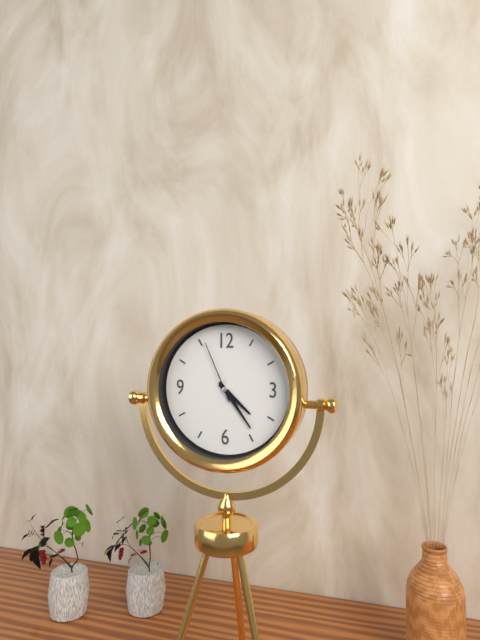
4,24,56
